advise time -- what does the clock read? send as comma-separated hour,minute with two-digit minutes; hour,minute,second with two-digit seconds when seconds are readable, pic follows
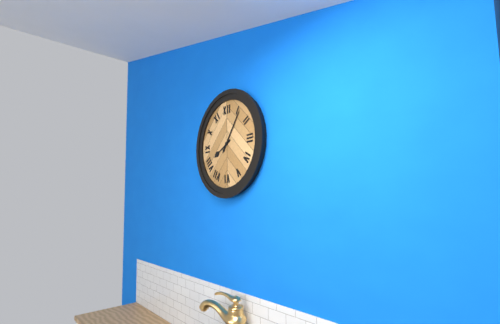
8,06
